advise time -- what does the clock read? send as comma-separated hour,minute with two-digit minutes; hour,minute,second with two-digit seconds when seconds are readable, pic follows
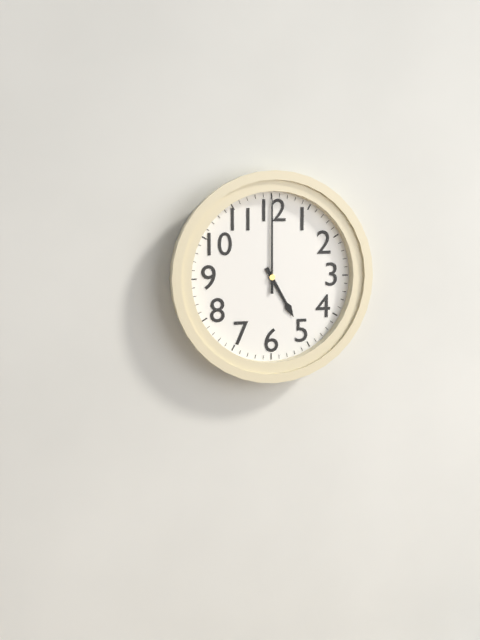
5,00
